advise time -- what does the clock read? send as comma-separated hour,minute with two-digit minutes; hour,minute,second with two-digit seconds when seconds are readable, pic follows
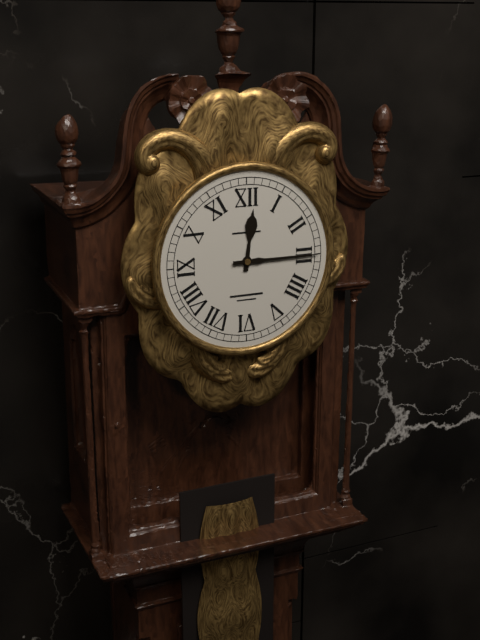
12,15
